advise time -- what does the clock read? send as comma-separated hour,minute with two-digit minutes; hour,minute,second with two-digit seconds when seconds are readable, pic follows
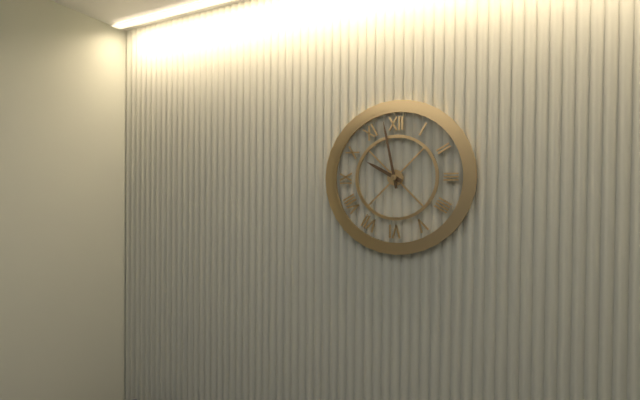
9,58
